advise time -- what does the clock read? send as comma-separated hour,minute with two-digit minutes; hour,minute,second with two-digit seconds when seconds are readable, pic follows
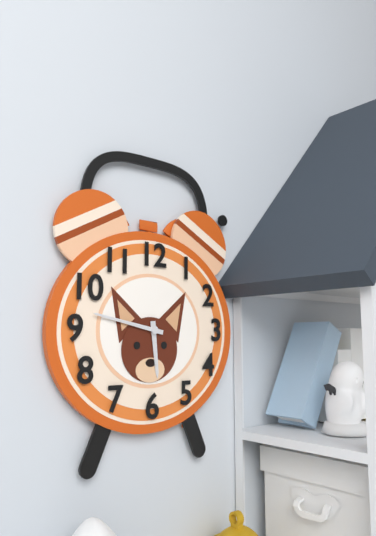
5,47
